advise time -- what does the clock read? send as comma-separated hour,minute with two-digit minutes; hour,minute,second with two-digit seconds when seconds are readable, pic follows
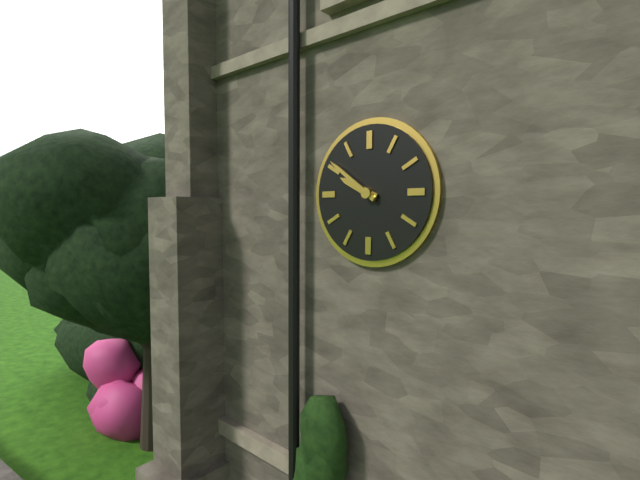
9,51
